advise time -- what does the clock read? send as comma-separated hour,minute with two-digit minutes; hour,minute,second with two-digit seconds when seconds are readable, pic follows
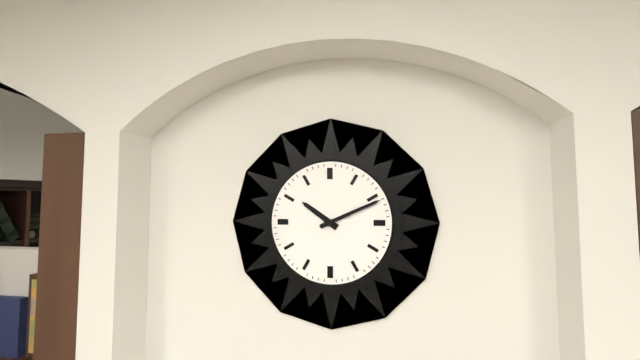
10,11
